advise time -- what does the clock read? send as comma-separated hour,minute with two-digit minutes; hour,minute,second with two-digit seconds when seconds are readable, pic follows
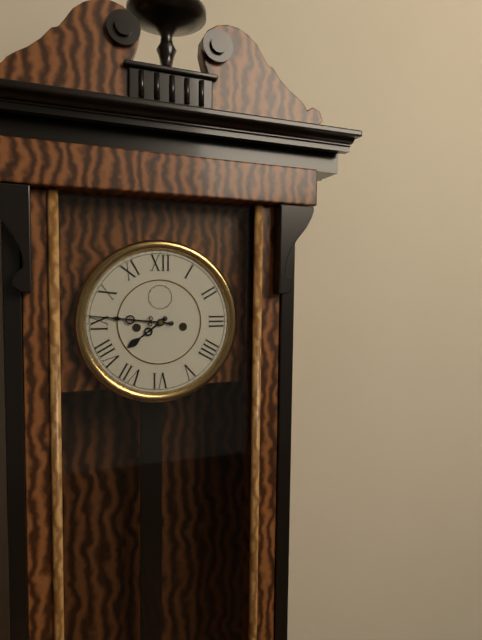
7,46
